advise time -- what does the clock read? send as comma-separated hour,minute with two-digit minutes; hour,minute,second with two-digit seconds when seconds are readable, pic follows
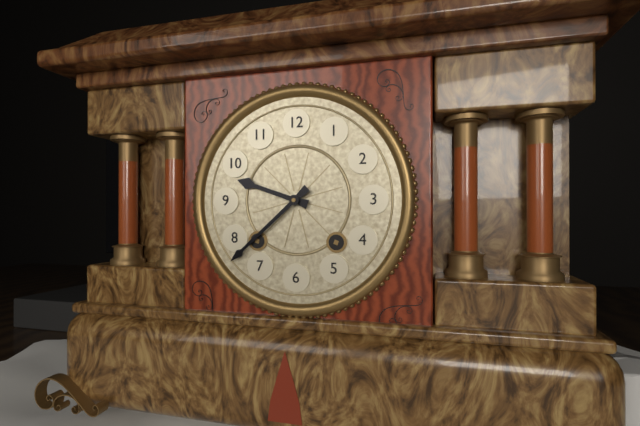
9,38
